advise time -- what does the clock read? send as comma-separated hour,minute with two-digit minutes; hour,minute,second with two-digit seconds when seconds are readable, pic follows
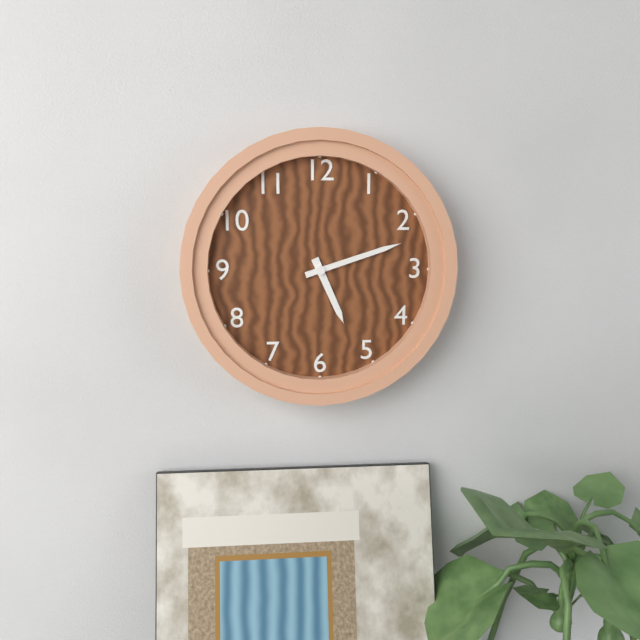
5,12
